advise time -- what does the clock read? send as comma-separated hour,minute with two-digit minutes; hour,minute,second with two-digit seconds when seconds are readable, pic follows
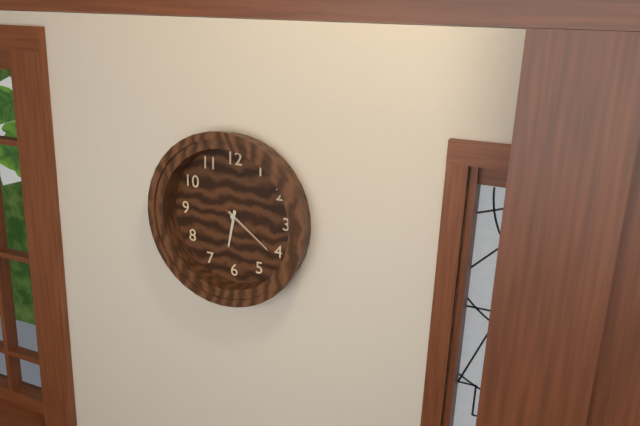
6,21,21
